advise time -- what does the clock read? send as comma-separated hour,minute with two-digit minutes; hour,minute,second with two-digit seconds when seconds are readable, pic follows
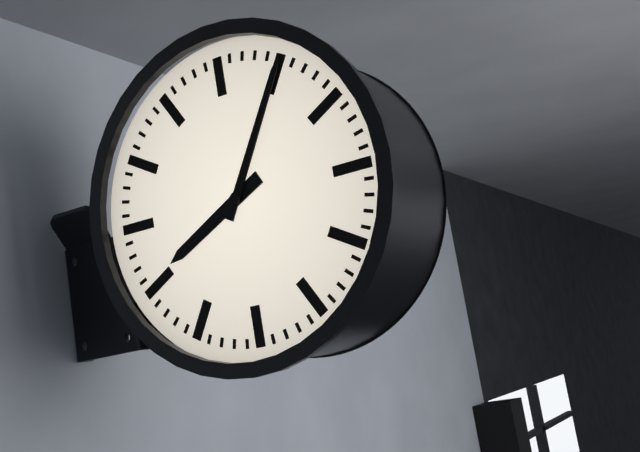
8,05
